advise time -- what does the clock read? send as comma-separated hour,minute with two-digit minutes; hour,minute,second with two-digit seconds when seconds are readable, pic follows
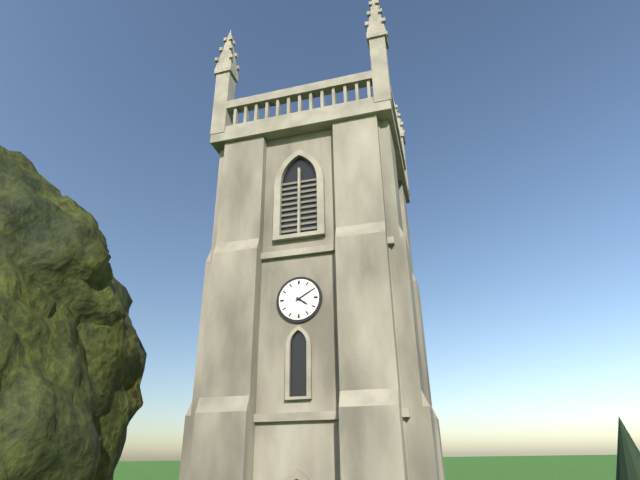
4,10
